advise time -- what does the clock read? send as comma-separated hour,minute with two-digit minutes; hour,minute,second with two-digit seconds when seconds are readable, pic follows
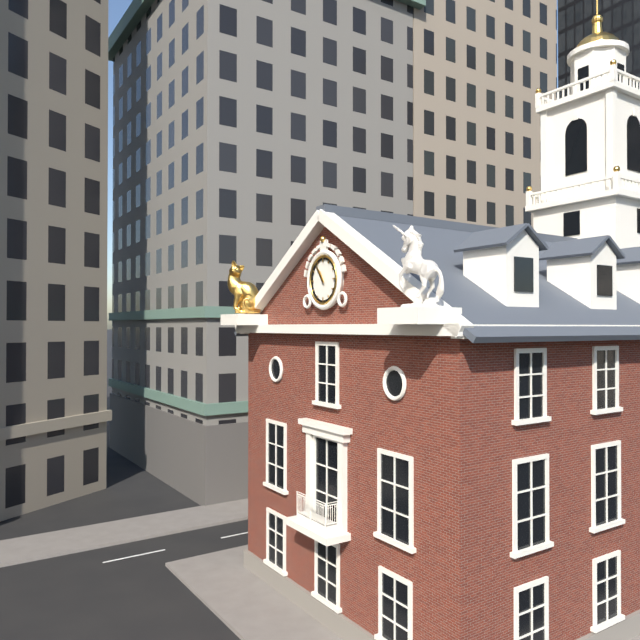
10,54
